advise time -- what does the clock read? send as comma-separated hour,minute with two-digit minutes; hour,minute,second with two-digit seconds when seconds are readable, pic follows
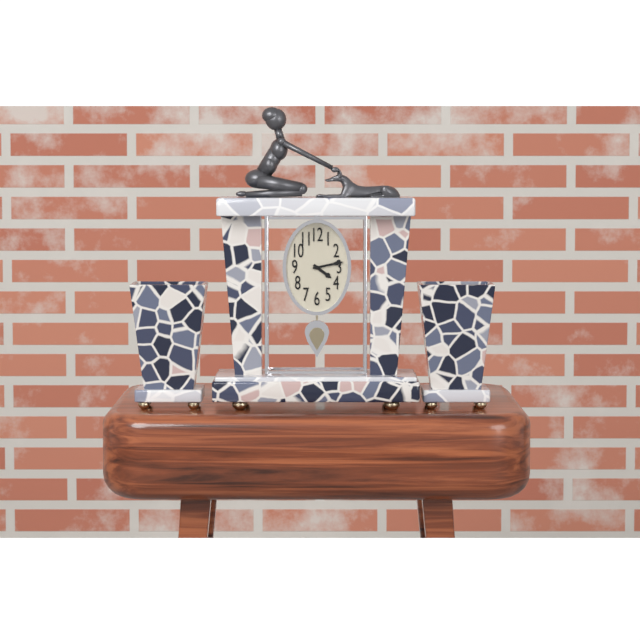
4,13
